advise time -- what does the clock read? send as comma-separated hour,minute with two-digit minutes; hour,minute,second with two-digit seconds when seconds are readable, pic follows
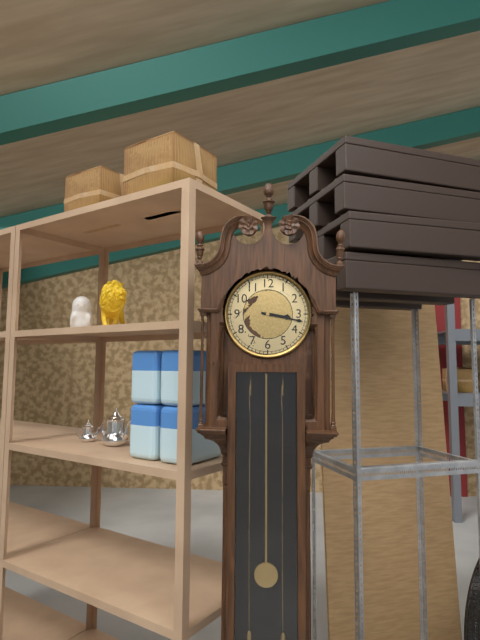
3,17
